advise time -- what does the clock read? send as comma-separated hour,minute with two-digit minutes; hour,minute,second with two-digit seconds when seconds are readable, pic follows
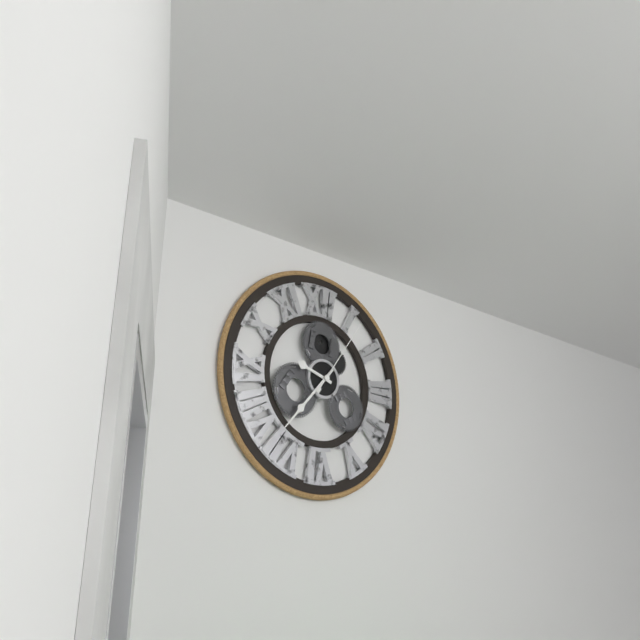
9,37,06
